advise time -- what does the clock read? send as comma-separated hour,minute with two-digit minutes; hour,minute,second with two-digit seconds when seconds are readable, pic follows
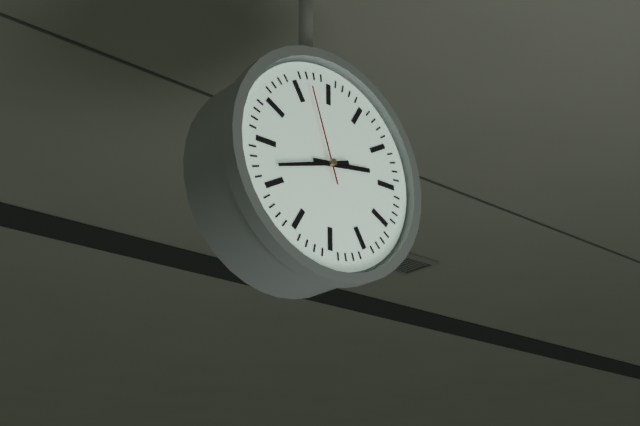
2,42,57
